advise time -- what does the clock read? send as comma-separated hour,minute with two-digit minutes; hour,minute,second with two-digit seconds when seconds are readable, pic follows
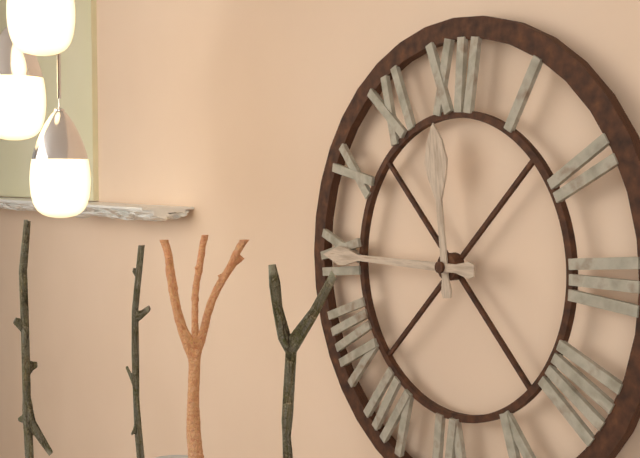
11,45
